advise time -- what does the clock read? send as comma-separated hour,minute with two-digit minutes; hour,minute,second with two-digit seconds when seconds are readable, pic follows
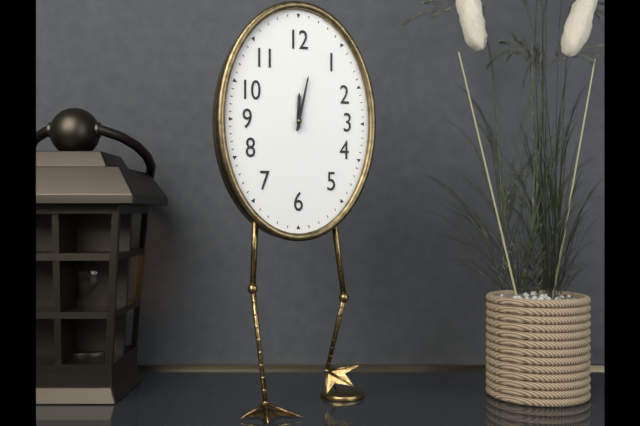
12,02
